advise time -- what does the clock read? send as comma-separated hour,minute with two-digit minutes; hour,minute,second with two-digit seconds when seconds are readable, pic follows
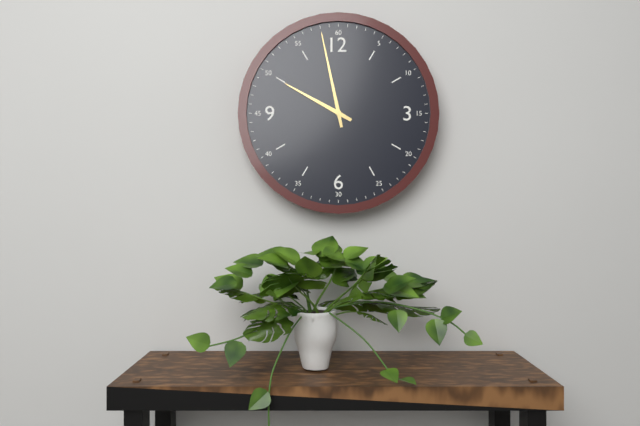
9,58
